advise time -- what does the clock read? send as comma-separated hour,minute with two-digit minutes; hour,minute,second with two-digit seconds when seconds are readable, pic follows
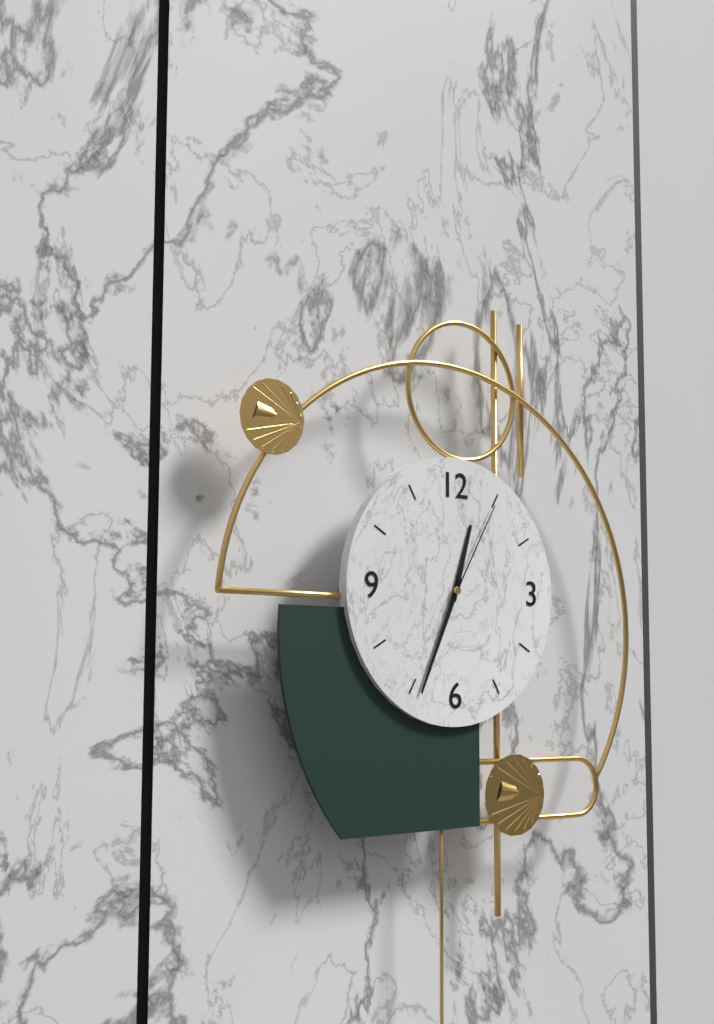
12,34,05
